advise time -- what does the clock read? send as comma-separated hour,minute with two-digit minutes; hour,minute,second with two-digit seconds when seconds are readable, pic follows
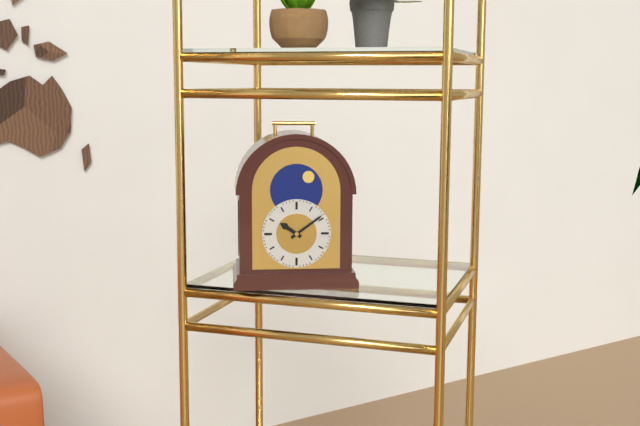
10,09
